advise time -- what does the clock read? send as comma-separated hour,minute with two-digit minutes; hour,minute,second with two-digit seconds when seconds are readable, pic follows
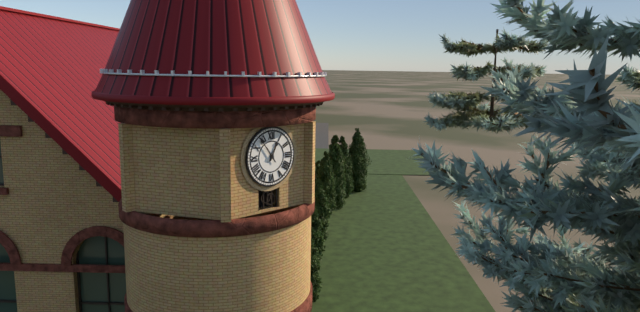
12,54
